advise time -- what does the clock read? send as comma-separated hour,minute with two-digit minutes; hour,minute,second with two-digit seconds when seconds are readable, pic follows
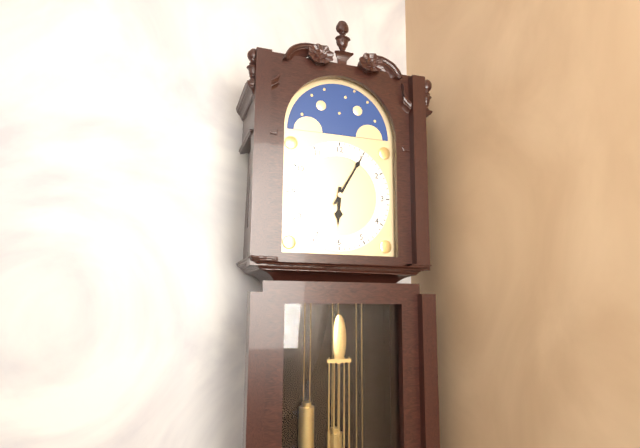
6,05
